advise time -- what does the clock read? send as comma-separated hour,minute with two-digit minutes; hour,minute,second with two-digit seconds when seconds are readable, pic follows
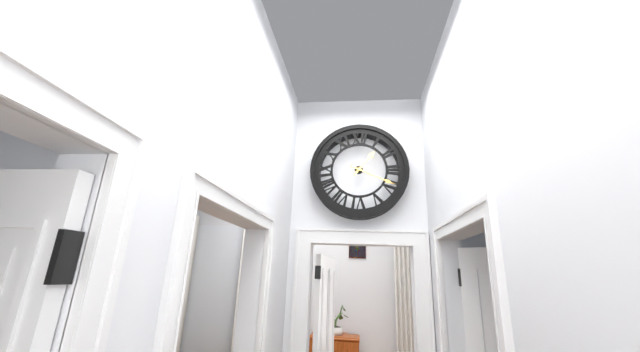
1,19
